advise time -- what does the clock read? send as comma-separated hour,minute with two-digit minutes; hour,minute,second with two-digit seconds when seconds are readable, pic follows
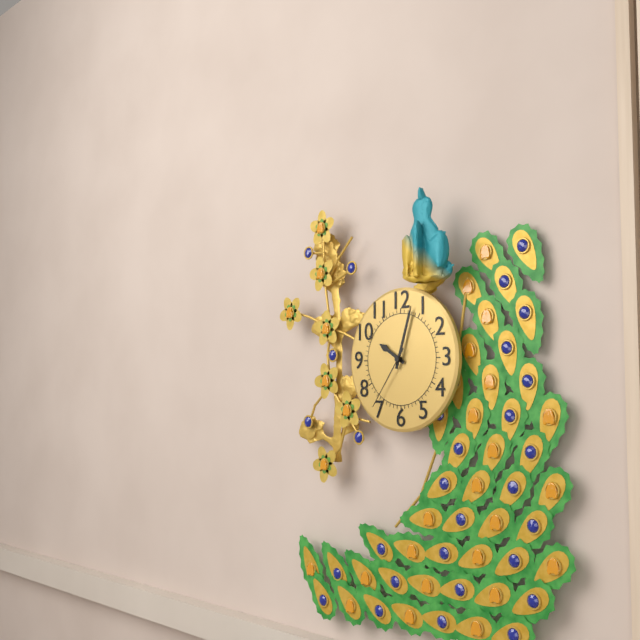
10,03,36
